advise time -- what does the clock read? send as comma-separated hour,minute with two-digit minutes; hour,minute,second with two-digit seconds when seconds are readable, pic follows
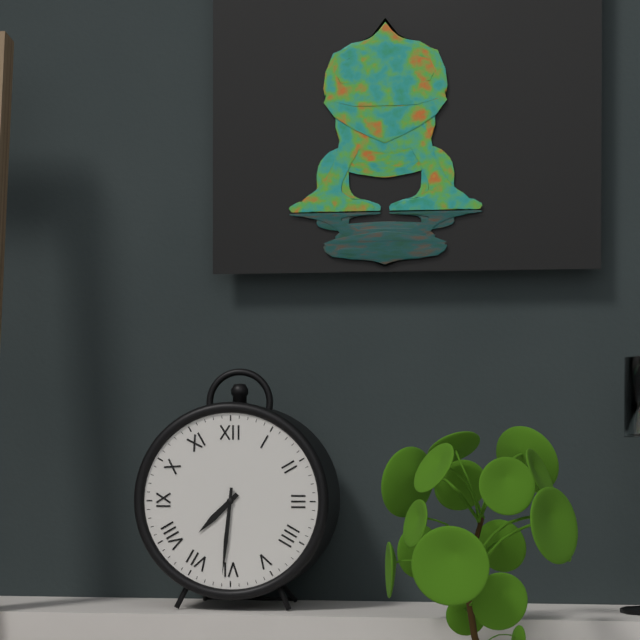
7,31
